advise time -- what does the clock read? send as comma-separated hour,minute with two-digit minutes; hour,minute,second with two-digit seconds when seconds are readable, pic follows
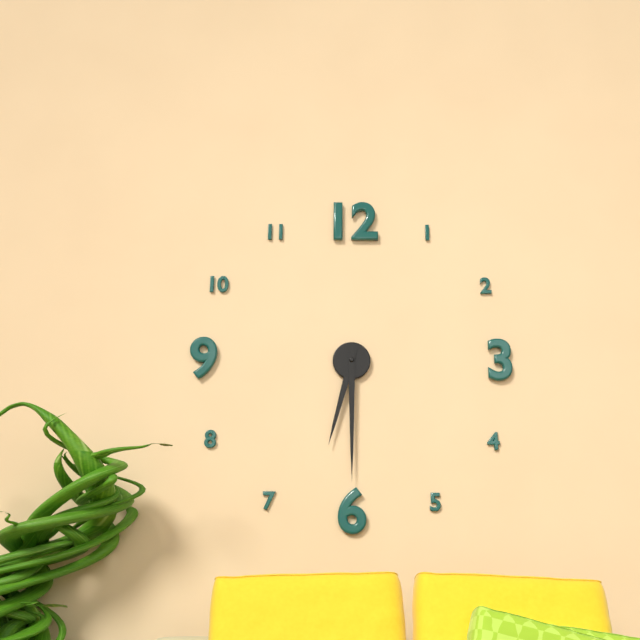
6,30
